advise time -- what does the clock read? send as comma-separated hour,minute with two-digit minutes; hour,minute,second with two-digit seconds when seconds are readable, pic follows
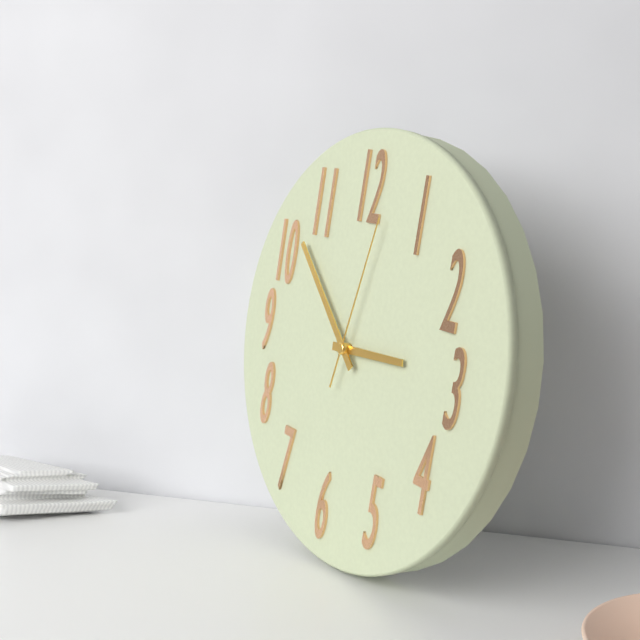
2,52,02
